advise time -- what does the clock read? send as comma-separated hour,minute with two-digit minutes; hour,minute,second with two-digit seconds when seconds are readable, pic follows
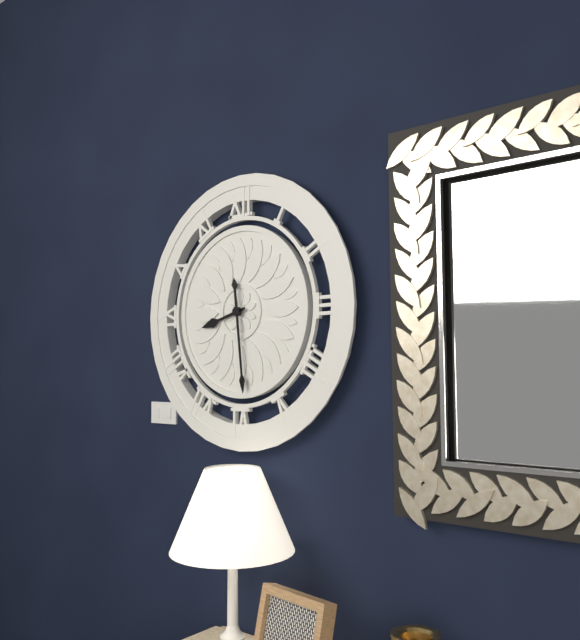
8,29
